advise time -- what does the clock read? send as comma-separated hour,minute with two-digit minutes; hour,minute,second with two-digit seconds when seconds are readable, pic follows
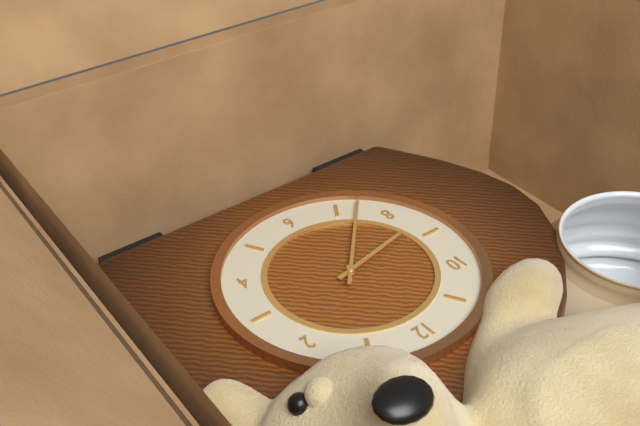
8,37
